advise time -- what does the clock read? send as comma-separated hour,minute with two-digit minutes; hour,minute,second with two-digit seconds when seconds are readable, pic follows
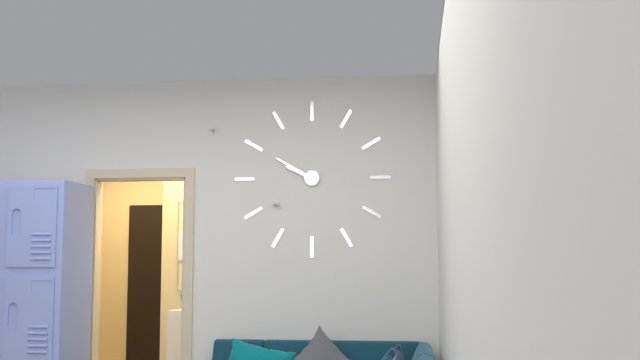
9,50
